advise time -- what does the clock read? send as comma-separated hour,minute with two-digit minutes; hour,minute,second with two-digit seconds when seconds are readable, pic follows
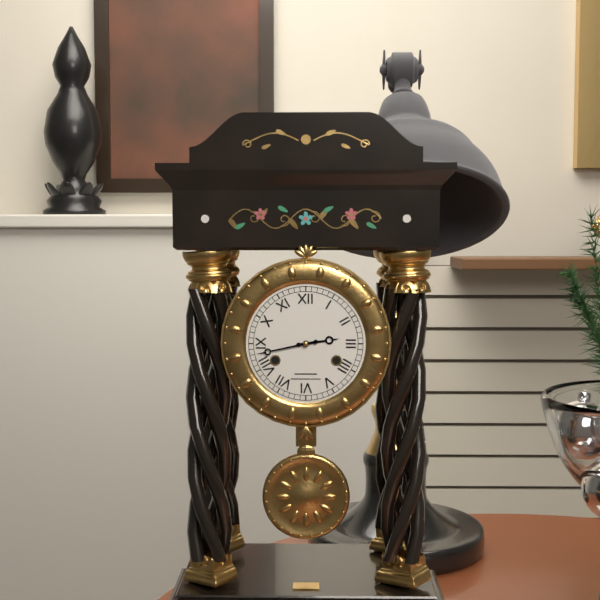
2,43
